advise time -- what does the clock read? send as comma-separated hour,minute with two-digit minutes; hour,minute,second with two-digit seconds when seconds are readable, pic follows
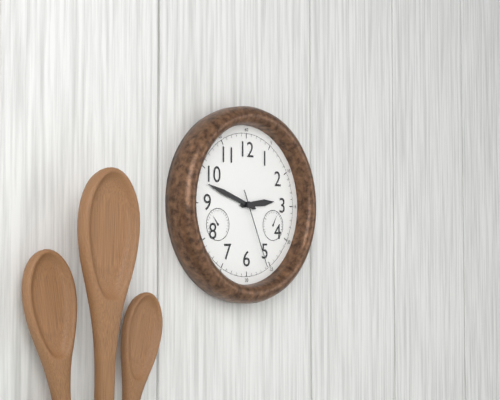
2,48,26
